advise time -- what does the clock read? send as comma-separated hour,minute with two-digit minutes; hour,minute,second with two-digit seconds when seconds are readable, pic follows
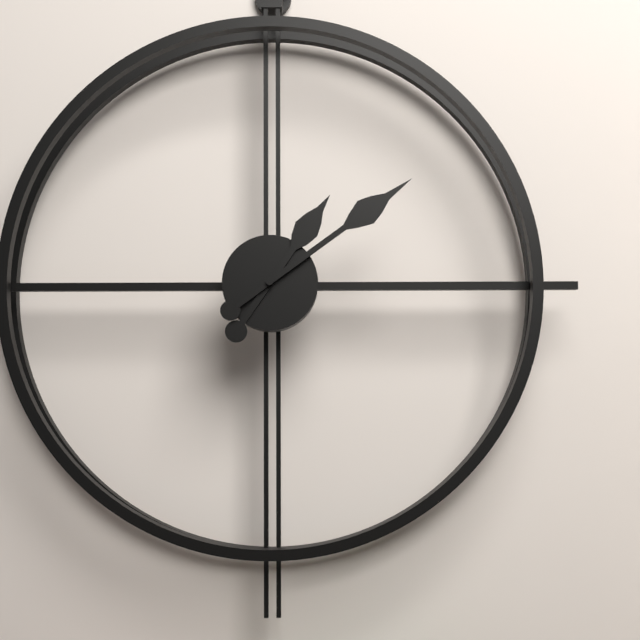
1,09
